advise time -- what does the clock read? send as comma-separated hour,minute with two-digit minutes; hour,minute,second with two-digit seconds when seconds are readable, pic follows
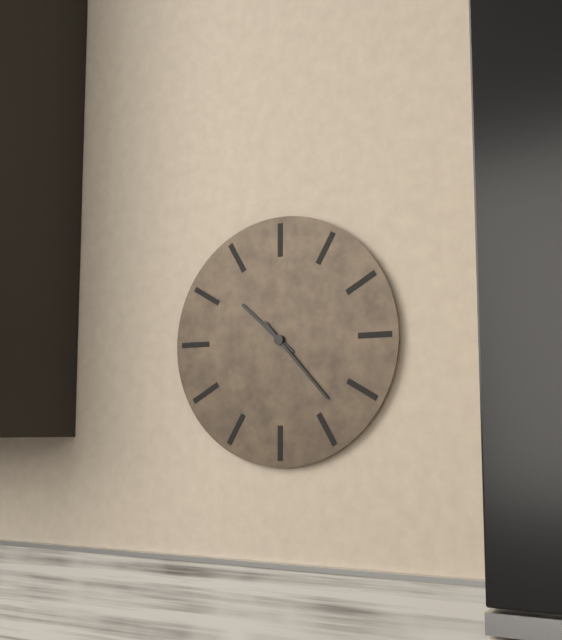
10,23
